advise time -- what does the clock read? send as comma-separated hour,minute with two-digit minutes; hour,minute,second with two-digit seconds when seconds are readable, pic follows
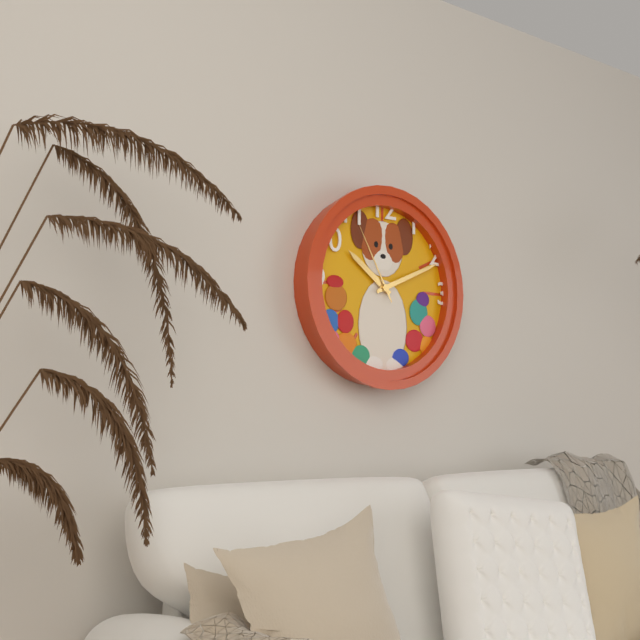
10,11,55
